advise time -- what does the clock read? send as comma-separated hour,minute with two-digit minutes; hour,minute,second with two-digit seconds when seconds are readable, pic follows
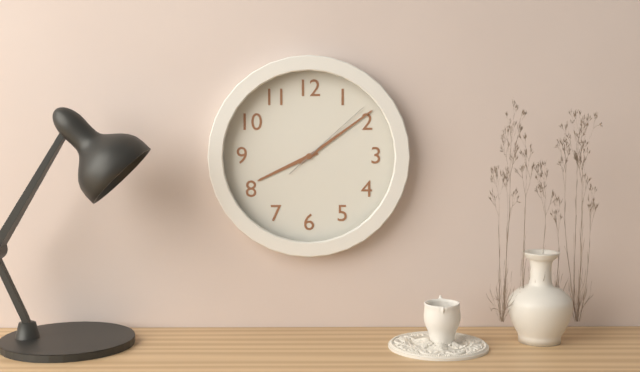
8,09,08
